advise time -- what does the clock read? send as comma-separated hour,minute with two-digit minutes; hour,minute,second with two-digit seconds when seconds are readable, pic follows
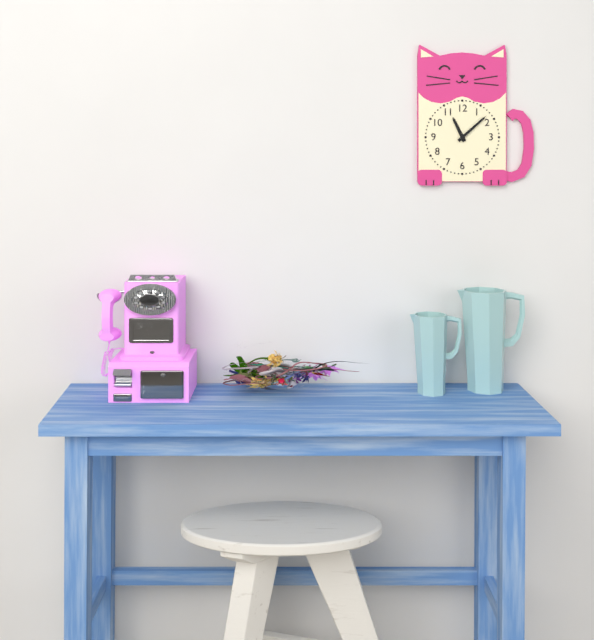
11,08
